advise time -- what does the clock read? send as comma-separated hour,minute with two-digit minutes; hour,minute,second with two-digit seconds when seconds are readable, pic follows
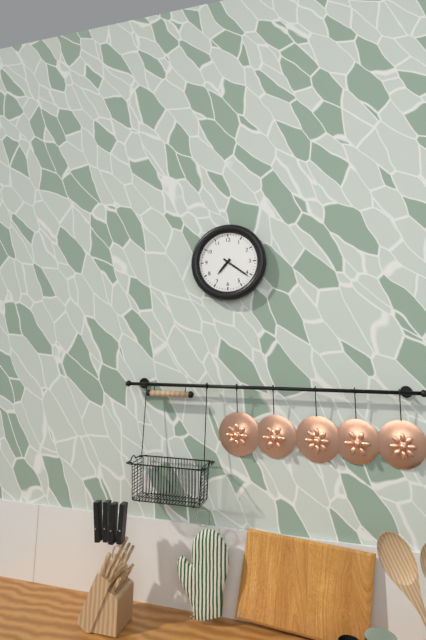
7,21
